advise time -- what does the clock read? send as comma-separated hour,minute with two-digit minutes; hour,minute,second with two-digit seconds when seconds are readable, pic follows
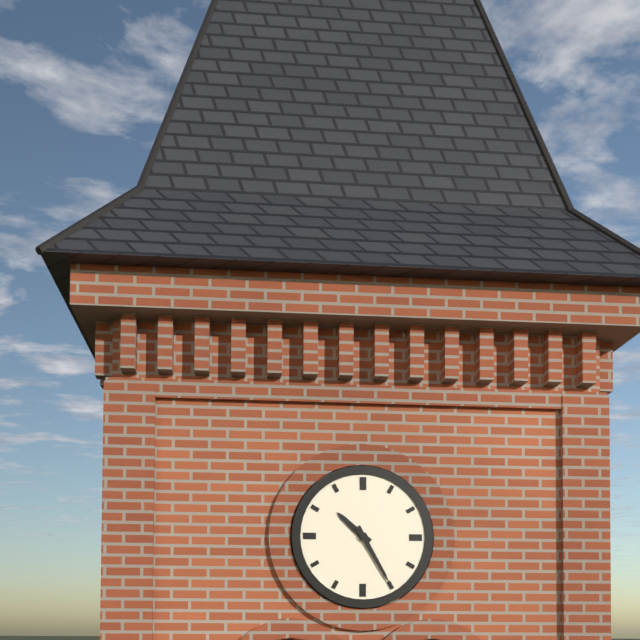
10,25
